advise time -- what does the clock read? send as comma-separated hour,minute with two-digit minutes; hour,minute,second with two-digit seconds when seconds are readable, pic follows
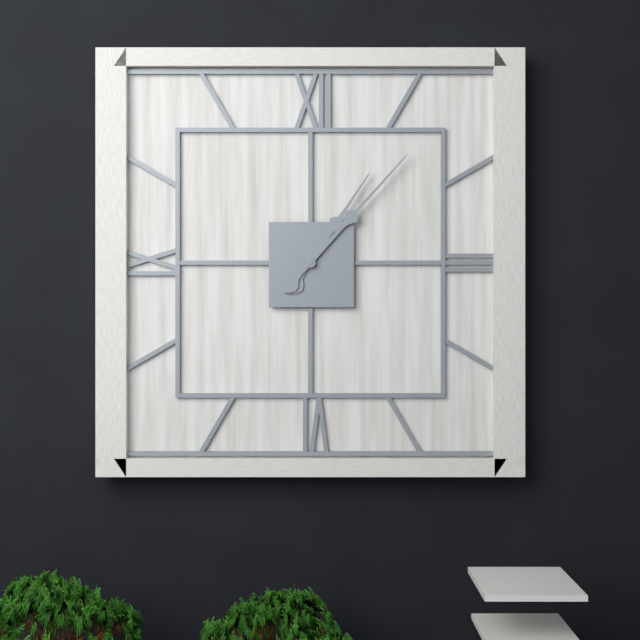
1,07
